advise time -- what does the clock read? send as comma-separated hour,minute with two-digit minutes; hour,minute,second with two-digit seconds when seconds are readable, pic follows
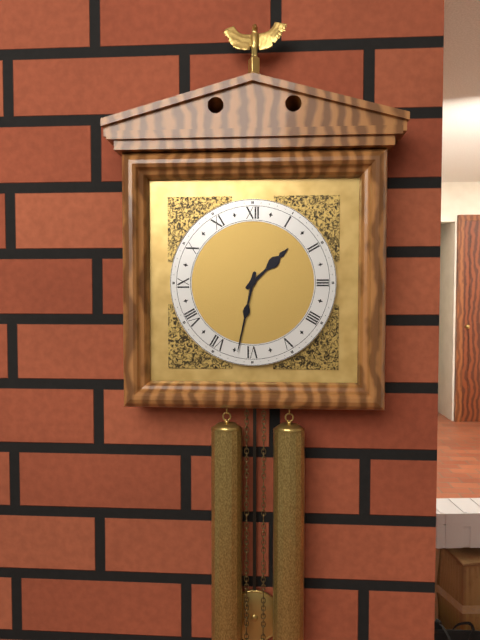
1,32
